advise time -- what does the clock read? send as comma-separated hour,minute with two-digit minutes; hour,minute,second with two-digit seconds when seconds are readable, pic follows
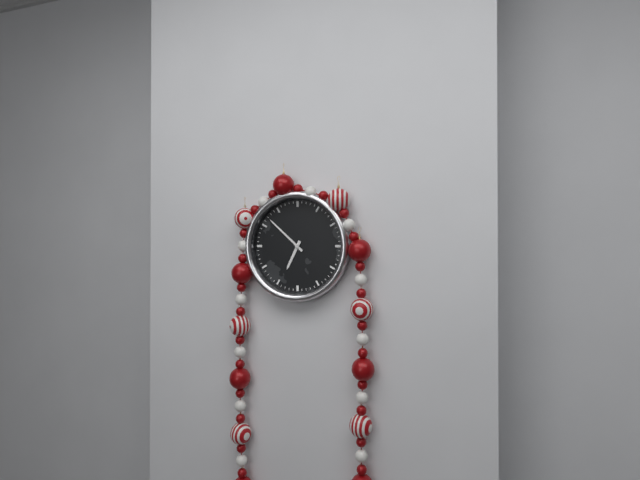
6,52
